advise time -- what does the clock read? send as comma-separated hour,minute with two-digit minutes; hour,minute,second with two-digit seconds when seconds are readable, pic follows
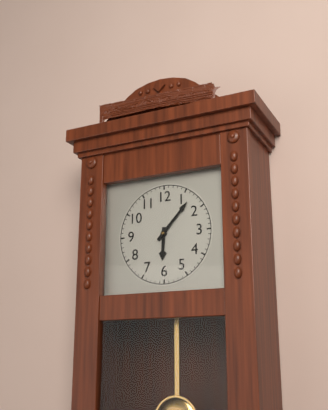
6,07
